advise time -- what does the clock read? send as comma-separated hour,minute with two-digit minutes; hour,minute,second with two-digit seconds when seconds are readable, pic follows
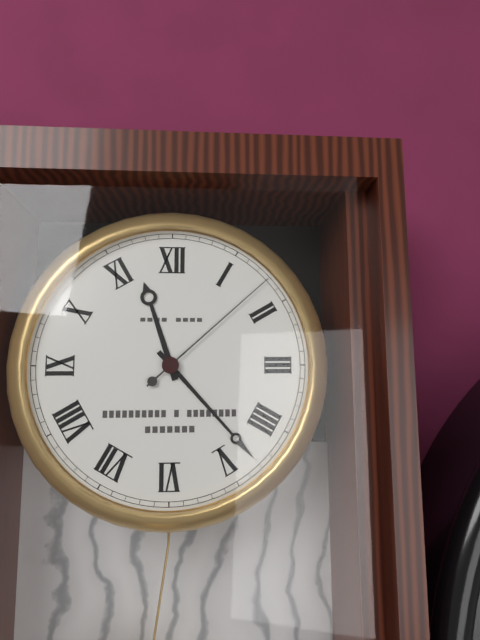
11,23,08
